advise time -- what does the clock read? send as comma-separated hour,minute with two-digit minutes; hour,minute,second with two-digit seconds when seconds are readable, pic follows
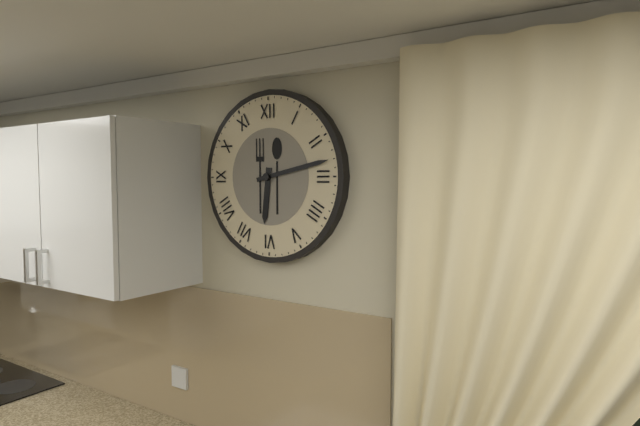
6,13
